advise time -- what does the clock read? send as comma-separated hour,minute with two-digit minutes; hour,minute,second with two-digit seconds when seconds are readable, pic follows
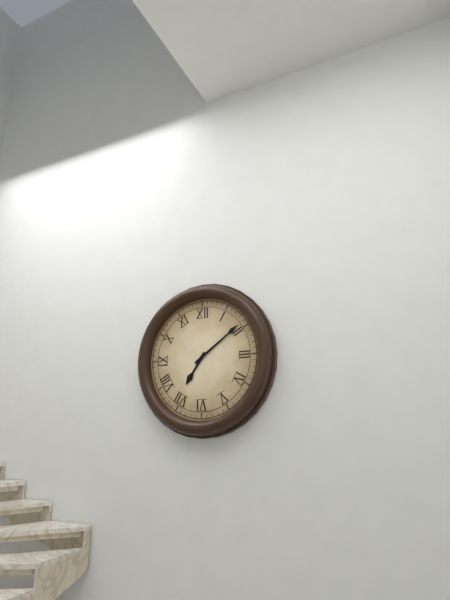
7,09
